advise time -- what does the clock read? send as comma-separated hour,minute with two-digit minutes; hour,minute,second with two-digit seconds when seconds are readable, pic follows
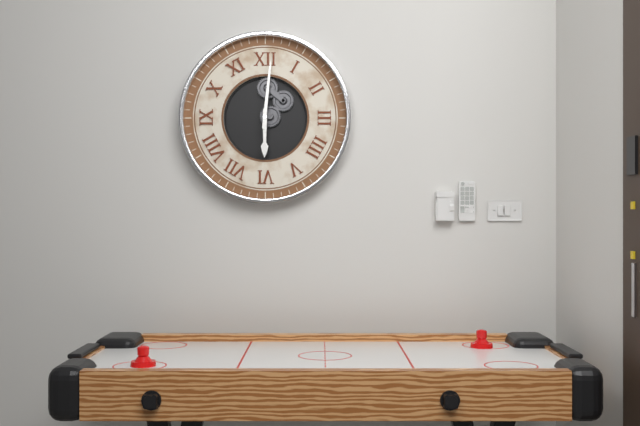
6,01
